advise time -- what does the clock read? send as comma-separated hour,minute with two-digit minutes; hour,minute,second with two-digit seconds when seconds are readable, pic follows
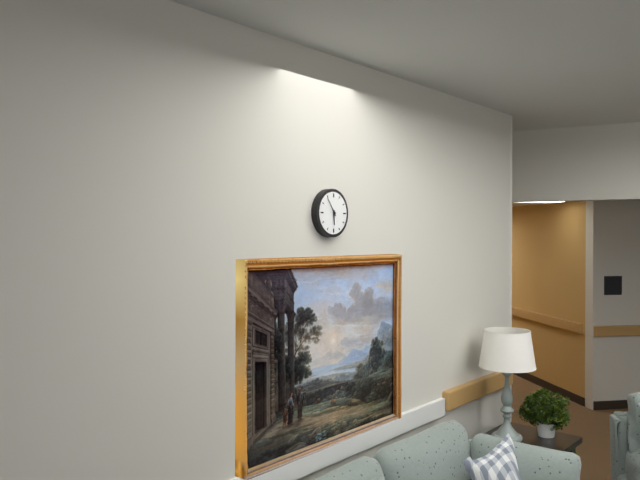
5,54
